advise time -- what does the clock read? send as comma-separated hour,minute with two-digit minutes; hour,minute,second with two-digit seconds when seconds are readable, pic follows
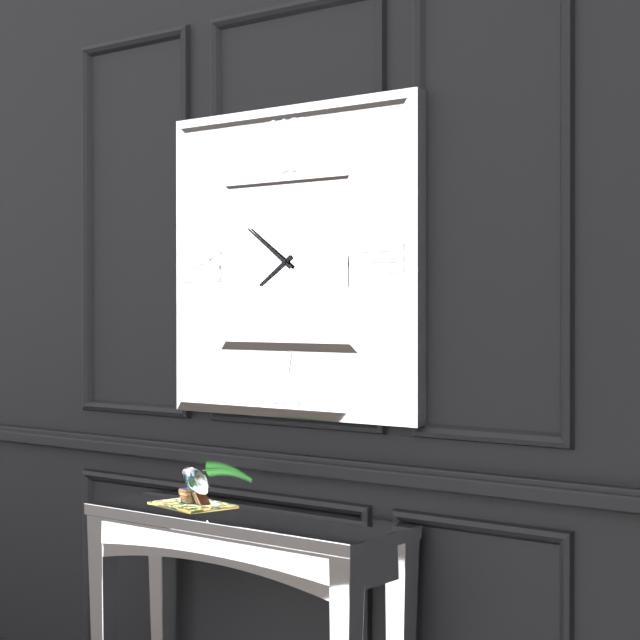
7,51
